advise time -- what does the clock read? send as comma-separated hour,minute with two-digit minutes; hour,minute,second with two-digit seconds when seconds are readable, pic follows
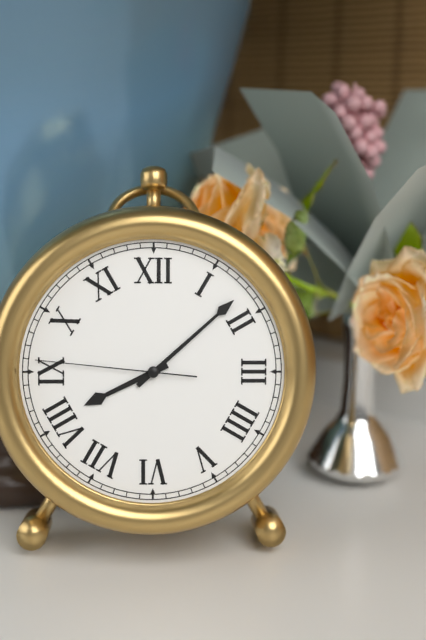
8,08,46
